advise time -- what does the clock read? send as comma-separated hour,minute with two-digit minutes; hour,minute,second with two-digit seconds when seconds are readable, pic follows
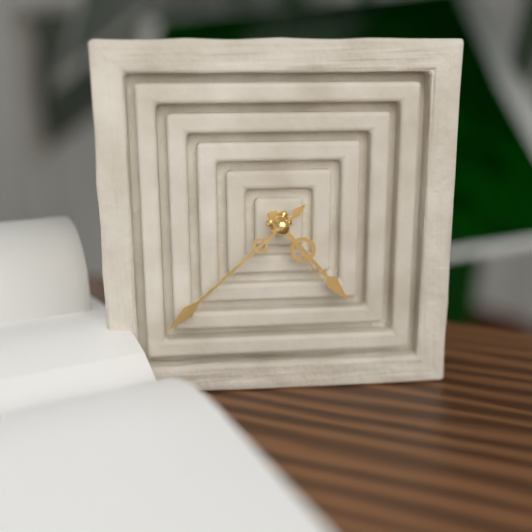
4,38,24
